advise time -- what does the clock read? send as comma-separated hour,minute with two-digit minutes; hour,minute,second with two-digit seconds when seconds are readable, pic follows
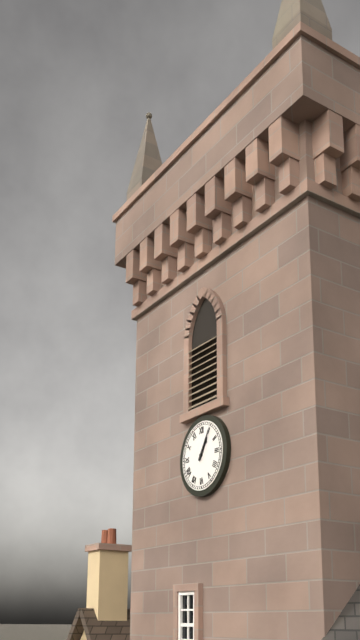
1,05
